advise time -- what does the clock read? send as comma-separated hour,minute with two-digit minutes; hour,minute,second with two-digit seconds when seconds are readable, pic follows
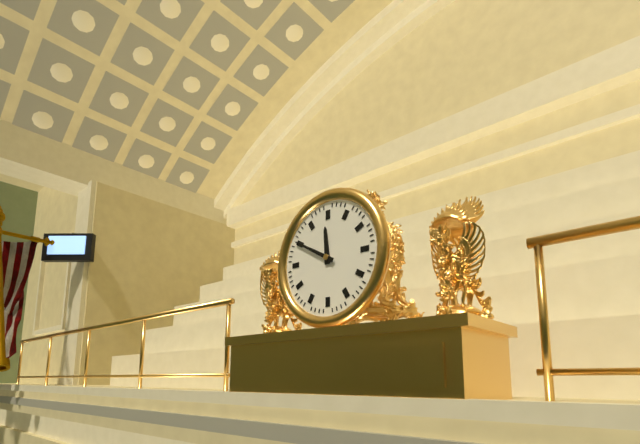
11,50
